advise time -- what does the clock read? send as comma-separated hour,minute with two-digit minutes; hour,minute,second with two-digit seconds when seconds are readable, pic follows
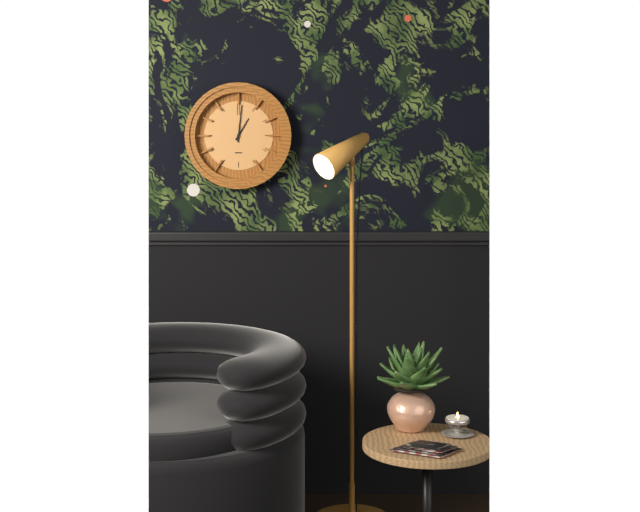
1,01
